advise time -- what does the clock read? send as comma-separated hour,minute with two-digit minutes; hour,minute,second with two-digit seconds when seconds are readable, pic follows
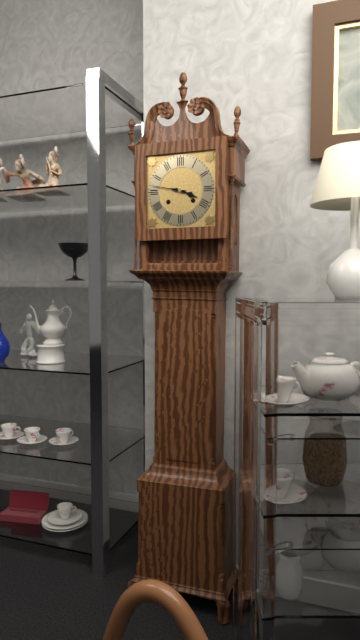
3,47
